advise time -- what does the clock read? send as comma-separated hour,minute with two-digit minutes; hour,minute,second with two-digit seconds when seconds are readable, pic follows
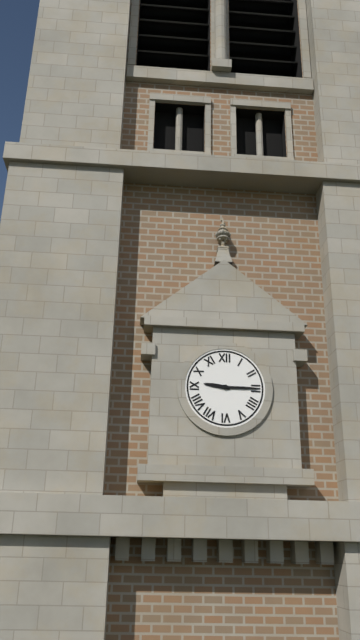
9,15
